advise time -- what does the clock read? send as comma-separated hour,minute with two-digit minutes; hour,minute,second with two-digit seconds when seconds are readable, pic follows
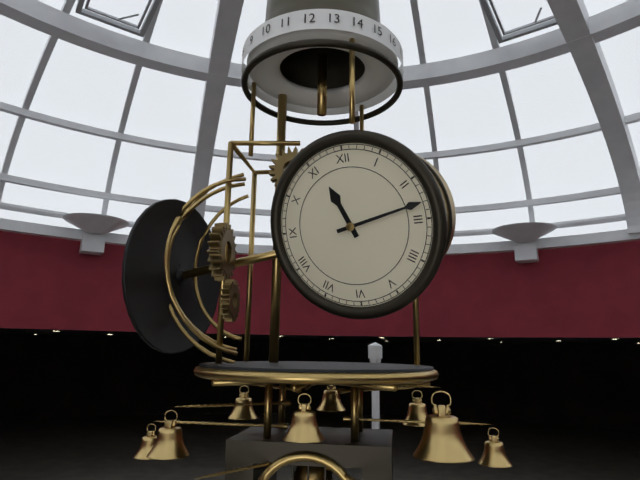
11,13
